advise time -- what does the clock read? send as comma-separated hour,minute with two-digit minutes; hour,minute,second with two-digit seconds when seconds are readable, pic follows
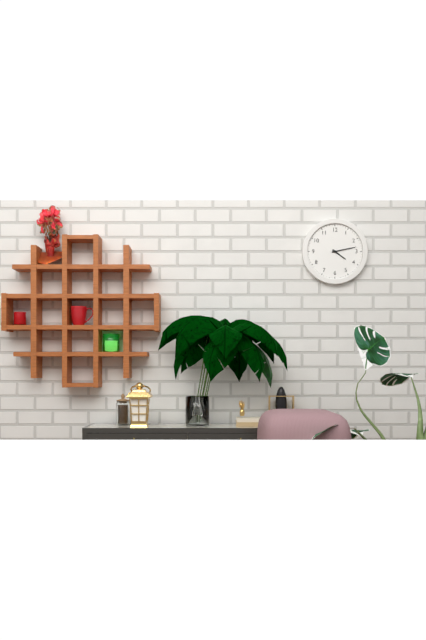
4,13
